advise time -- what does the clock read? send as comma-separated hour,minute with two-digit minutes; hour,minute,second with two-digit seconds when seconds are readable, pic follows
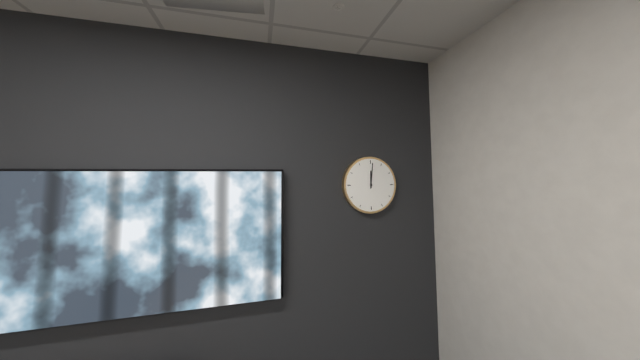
12,01
